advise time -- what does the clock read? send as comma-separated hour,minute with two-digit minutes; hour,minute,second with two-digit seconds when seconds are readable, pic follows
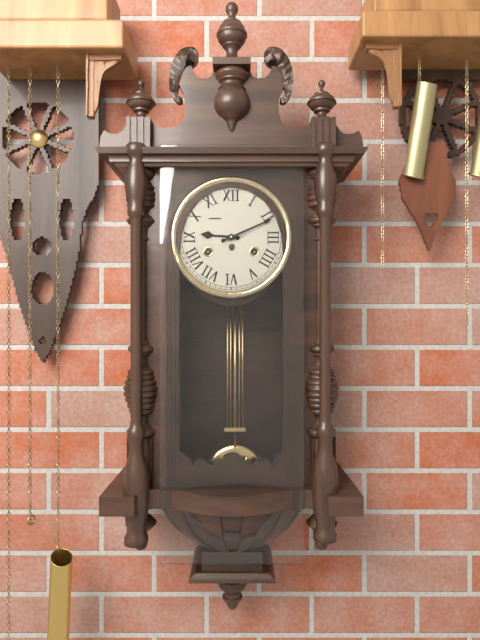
9,11
